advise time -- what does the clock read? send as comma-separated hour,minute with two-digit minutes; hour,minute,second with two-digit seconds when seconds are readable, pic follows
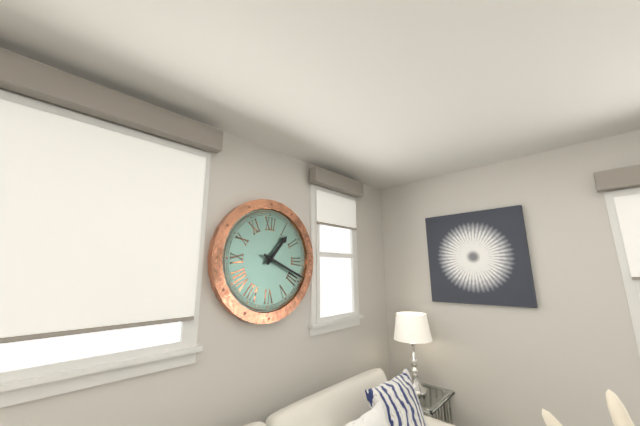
1,19
